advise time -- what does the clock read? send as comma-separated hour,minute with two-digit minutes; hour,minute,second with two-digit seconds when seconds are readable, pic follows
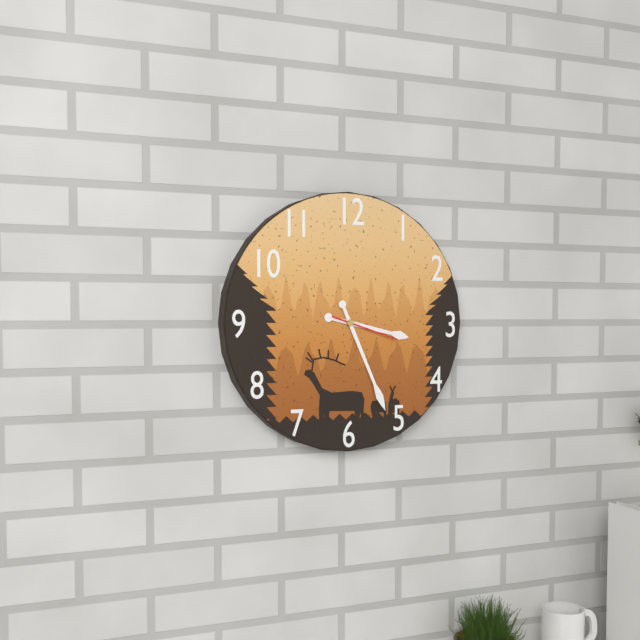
3,26,18
